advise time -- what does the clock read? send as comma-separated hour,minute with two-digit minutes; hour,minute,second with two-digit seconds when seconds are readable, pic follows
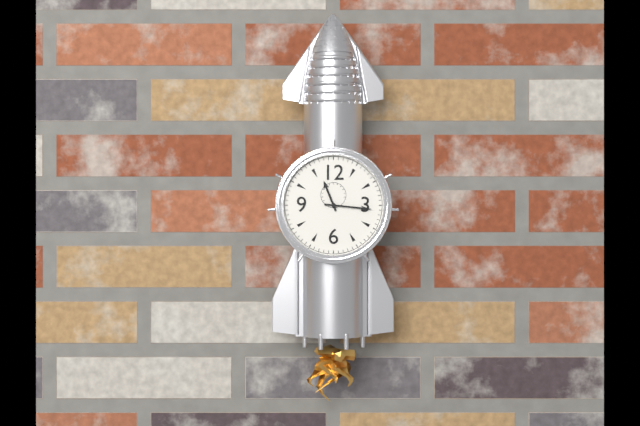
11,16
